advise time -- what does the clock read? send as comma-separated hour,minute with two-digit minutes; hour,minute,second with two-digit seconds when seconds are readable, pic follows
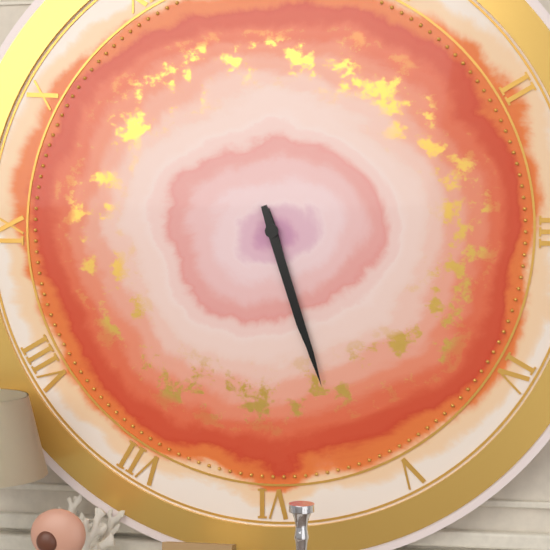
5,27
